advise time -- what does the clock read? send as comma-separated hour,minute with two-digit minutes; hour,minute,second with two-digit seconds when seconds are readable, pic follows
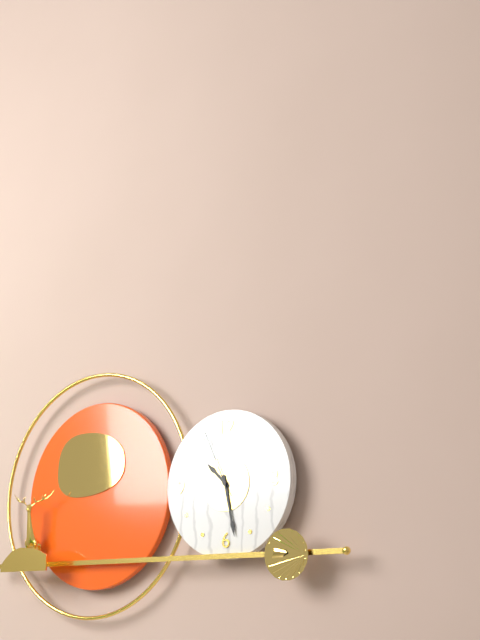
10,28,56
